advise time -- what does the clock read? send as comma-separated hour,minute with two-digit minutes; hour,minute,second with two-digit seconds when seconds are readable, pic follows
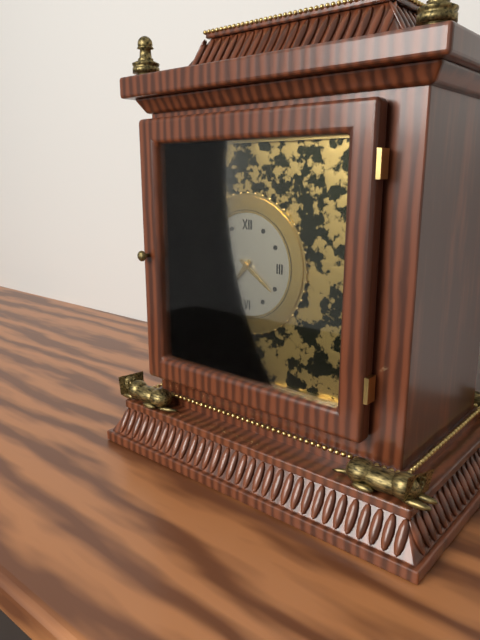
7,21
